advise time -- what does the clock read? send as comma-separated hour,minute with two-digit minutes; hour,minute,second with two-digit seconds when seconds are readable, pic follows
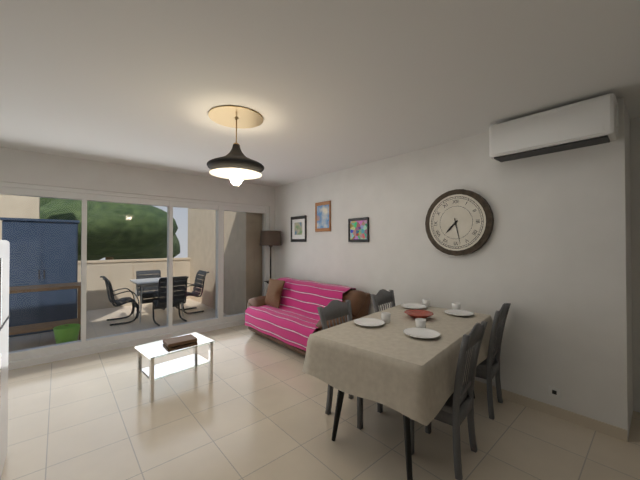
7,28
